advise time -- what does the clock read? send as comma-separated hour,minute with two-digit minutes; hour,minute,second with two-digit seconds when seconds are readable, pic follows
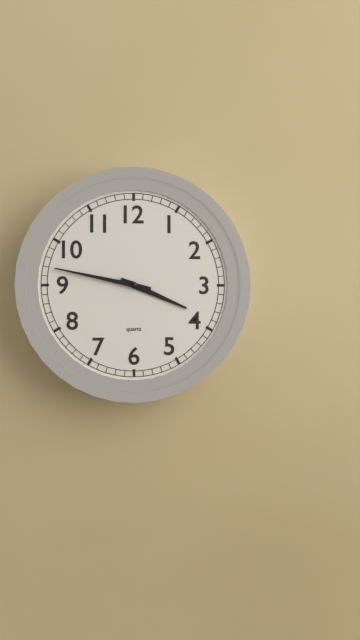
3,47
